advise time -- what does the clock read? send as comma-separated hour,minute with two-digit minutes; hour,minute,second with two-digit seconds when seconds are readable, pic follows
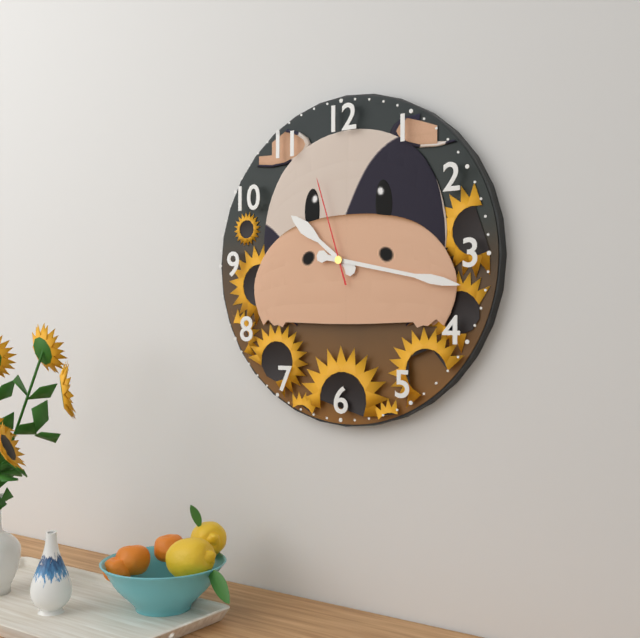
10,17,57
